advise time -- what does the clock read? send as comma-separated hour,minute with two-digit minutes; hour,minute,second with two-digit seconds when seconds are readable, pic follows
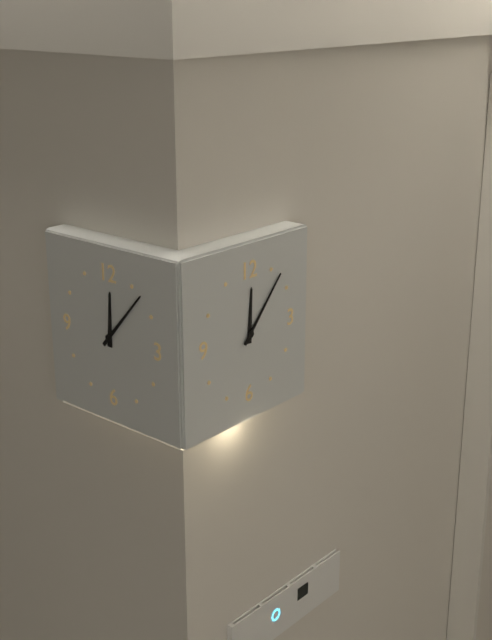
12,07
